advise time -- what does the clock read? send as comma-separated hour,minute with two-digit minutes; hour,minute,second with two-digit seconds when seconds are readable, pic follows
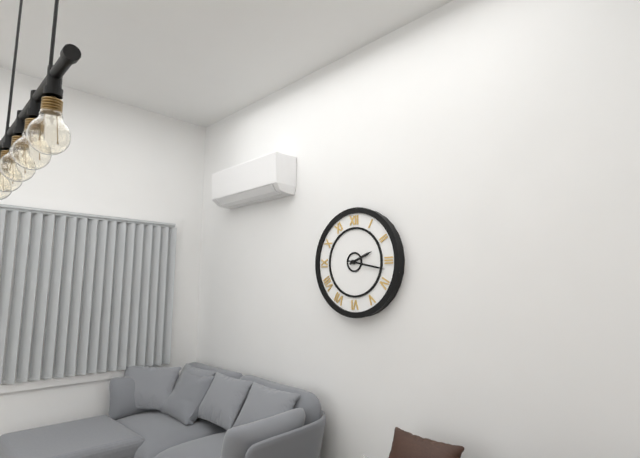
2,17
